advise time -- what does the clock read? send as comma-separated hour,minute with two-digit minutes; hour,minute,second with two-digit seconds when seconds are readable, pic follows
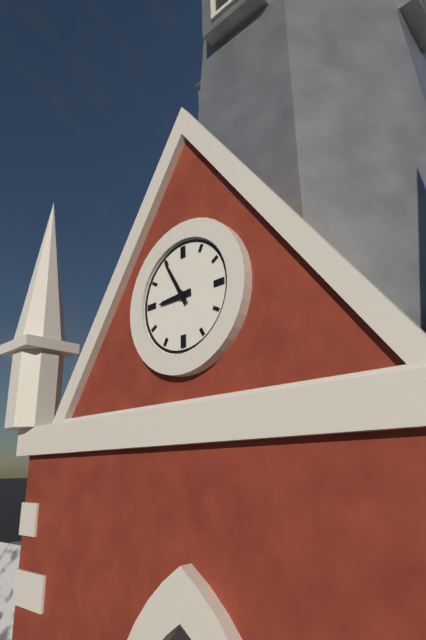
8,55
